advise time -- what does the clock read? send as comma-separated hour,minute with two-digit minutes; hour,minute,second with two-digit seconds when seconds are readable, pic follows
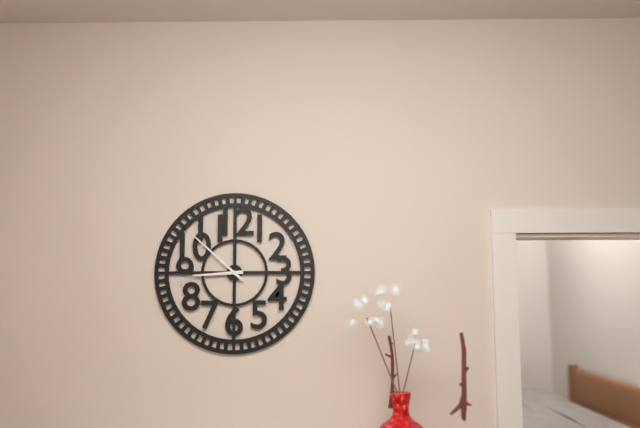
8,52
